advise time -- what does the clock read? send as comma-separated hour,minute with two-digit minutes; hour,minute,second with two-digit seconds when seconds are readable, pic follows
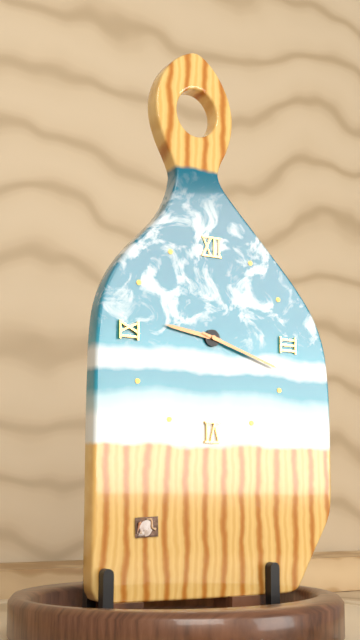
9,18
